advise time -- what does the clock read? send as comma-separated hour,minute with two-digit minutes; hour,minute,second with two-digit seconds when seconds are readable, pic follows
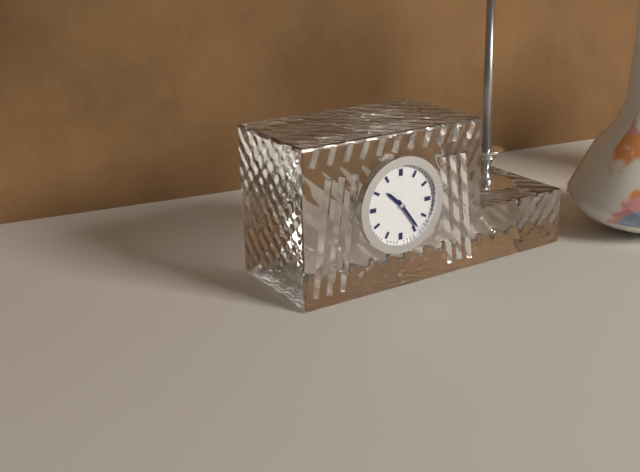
10,24
